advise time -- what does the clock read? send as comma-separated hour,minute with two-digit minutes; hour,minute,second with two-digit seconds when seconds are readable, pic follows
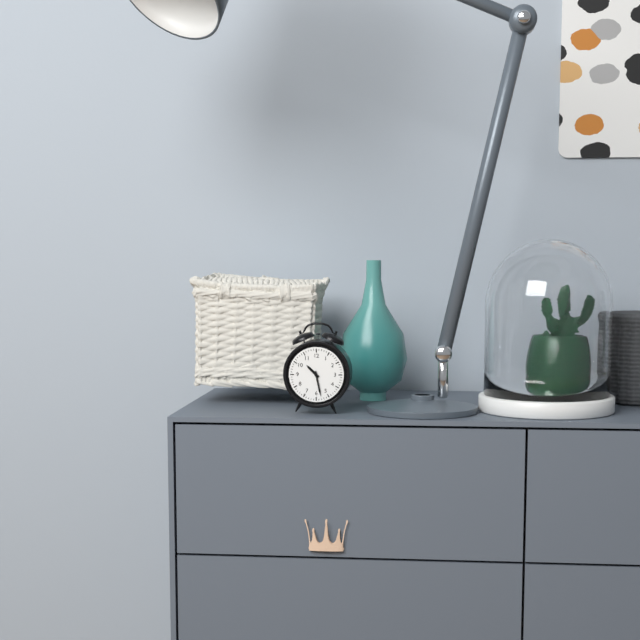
10,28
